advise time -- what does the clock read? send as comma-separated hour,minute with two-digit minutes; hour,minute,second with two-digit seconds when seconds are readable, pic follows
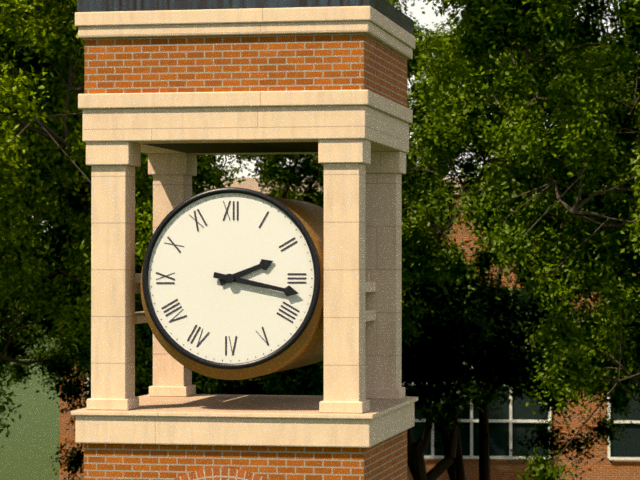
2,17
